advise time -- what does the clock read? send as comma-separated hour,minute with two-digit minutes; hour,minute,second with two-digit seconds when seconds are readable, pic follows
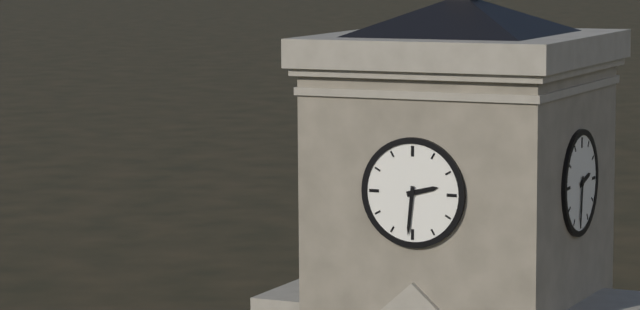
2,31
